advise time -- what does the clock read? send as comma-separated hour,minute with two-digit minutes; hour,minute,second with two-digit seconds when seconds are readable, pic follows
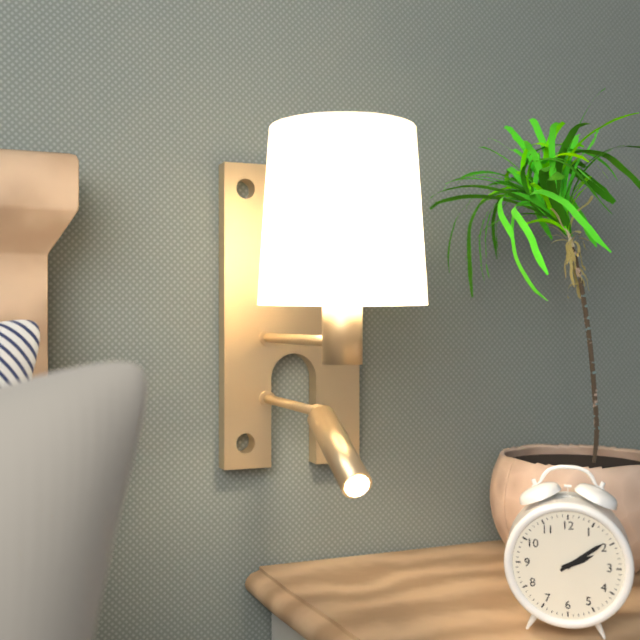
2,09
